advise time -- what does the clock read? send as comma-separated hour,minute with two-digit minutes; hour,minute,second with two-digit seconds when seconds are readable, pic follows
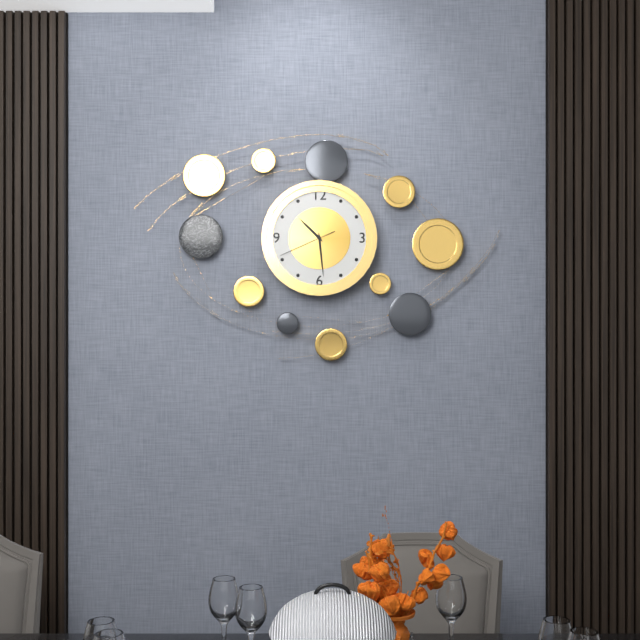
10,29,41
